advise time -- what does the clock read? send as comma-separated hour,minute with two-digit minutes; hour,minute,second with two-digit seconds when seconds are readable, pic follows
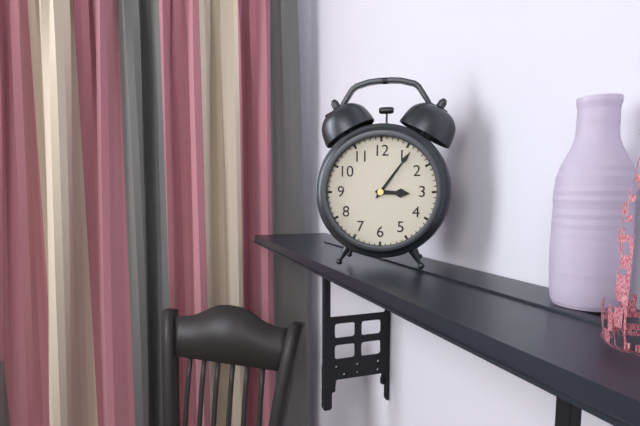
3,06
